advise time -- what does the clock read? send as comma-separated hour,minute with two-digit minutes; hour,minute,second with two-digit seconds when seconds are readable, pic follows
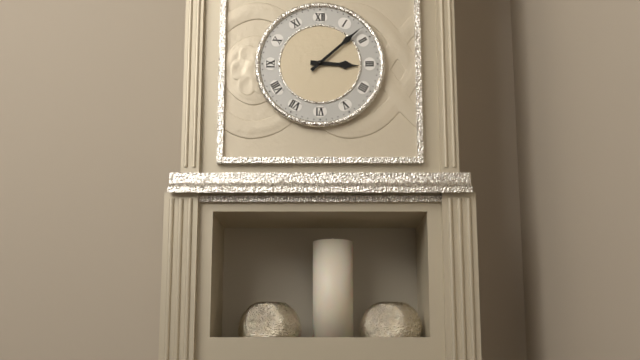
3,08
